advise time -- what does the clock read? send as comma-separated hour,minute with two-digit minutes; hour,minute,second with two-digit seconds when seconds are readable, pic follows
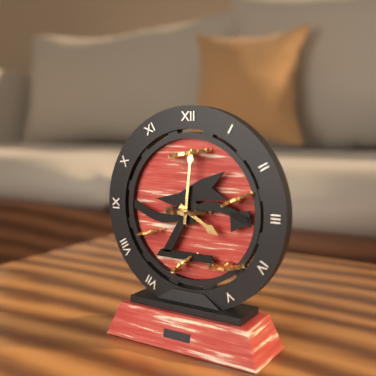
4,01
